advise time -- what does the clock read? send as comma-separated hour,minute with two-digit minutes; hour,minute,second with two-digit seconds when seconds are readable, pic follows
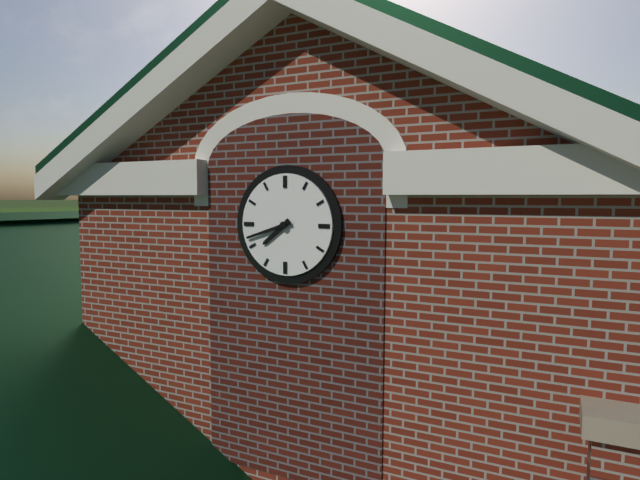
7,42
